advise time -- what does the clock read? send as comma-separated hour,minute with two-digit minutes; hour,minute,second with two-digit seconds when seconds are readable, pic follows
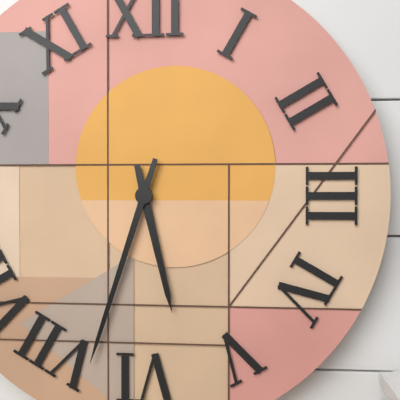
5,33
